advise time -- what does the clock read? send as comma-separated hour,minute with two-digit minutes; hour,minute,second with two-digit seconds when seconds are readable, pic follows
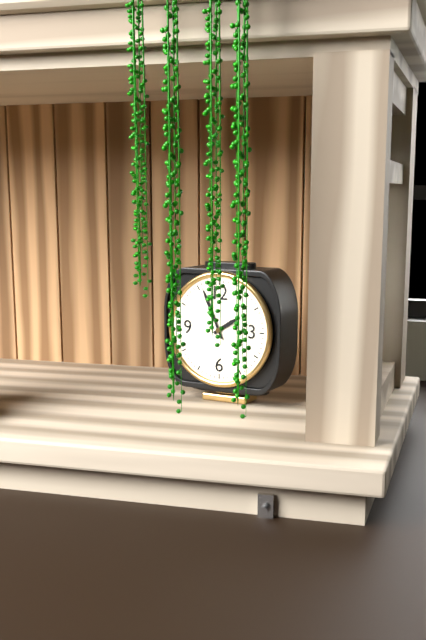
1,56
